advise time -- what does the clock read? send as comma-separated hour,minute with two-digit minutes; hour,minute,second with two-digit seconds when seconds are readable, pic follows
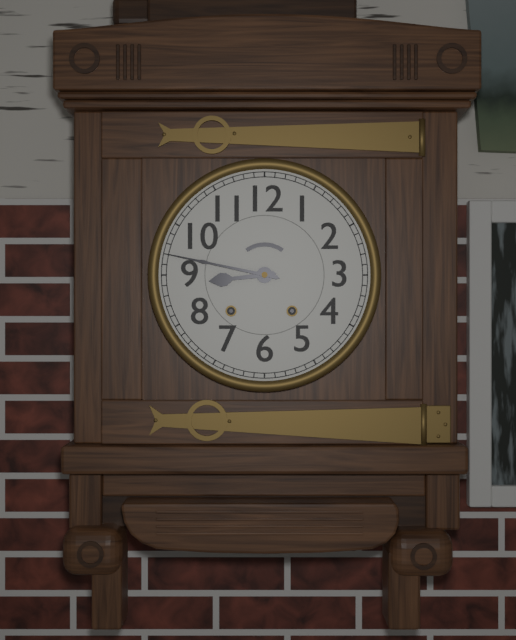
8,47
